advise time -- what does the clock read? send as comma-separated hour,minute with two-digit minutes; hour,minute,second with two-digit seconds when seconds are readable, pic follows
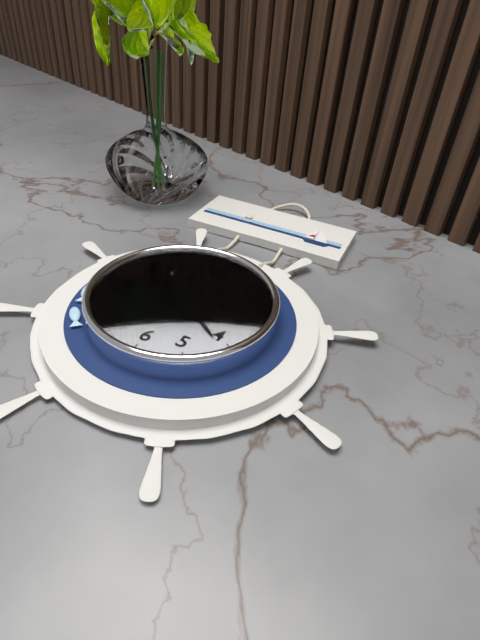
6,21,44
